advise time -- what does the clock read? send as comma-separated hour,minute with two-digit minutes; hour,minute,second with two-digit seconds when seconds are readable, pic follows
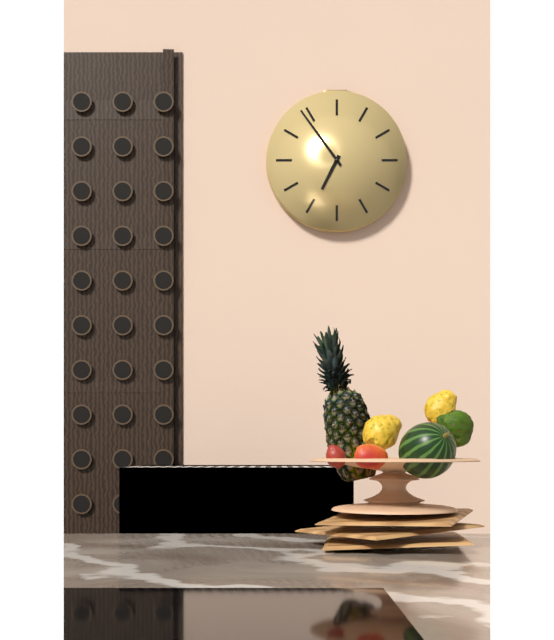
6,54
